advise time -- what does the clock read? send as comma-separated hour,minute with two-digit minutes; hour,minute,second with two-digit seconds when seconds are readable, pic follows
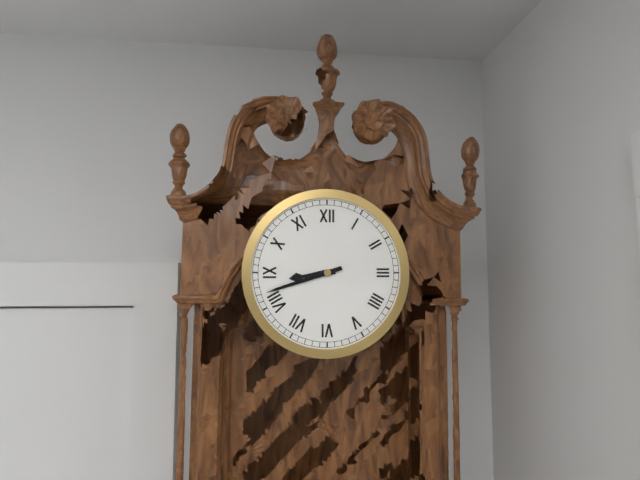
8,42
